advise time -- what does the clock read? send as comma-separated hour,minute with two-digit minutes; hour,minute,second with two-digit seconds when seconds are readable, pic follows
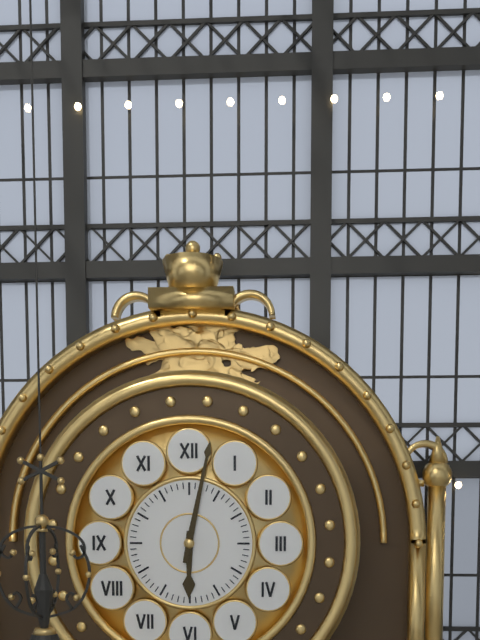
6,02
